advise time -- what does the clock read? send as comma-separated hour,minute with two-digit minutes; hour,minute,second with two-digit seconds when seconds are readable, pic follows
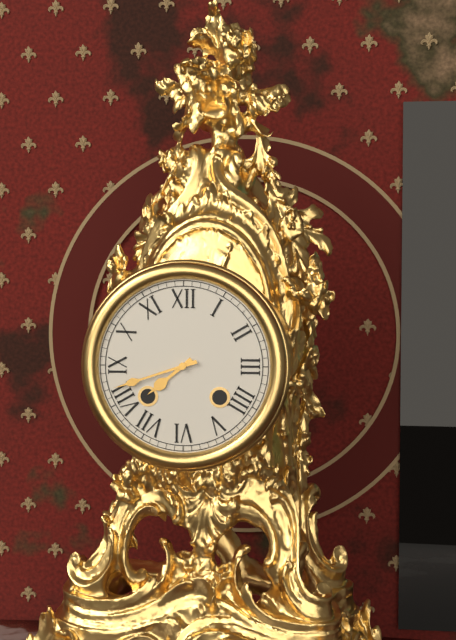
7,42
